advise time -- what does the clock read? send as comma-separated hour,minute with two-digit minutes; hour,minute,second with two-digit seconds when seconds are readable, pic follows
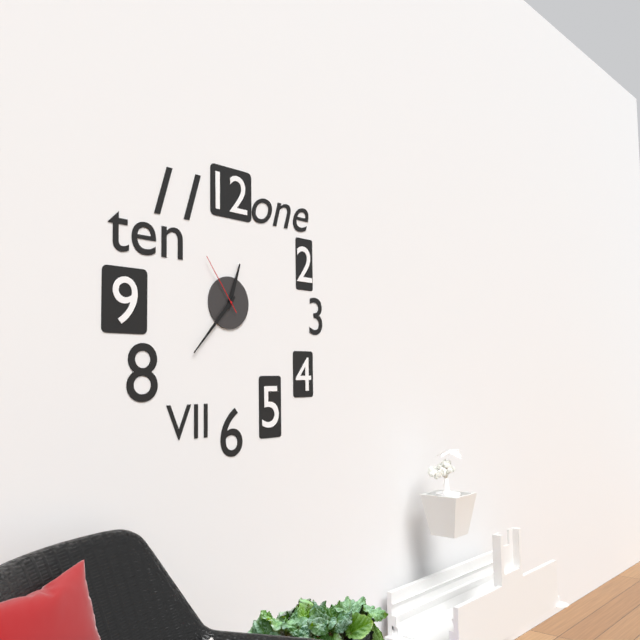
12,37,54
